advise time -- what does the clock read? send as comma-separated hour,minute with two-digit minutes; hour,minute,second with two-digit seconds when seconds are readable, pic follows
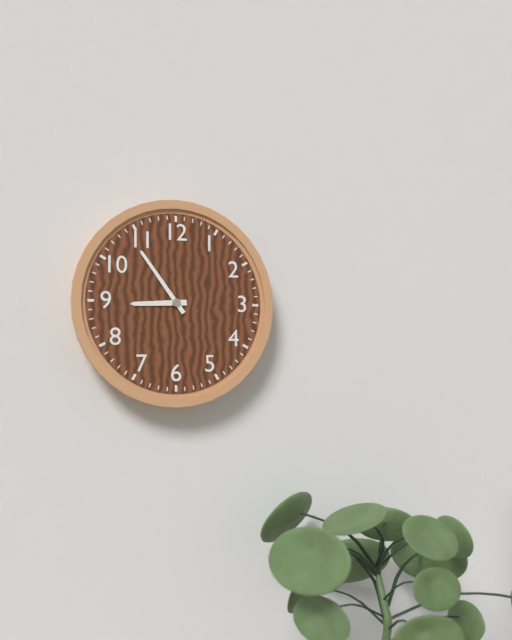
8,54
